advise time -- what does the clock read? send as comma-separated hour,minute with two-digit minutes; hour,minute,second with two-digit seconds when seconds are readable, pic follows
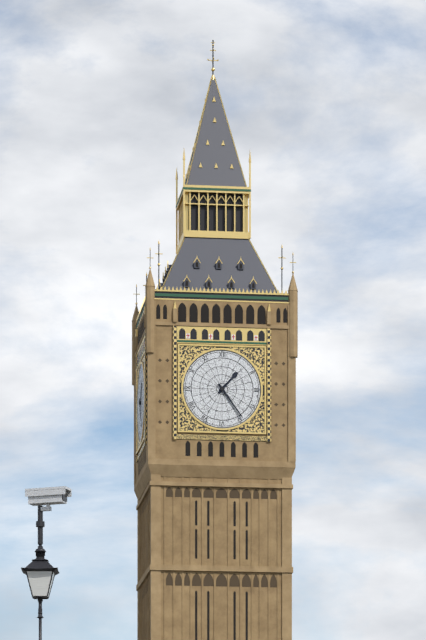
1,24
